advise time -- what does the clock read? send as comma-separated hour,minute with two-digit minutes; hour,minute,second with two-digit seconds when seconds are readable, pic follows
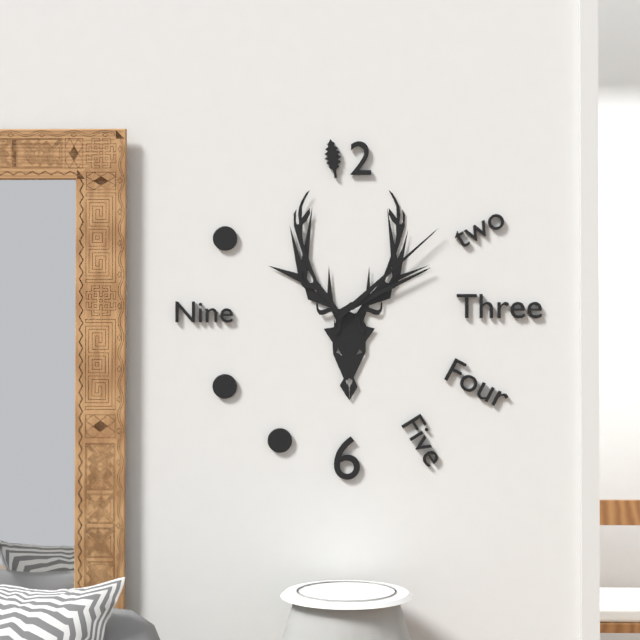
2,08
